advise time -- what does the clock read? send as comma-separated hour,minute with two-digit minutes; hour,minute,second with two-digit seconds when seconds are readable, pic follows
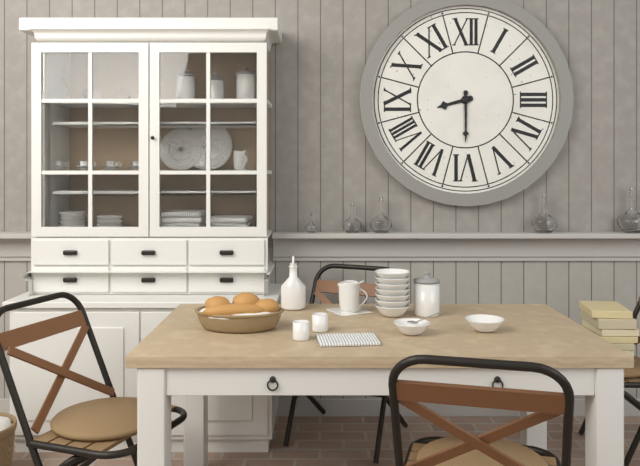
8,30
